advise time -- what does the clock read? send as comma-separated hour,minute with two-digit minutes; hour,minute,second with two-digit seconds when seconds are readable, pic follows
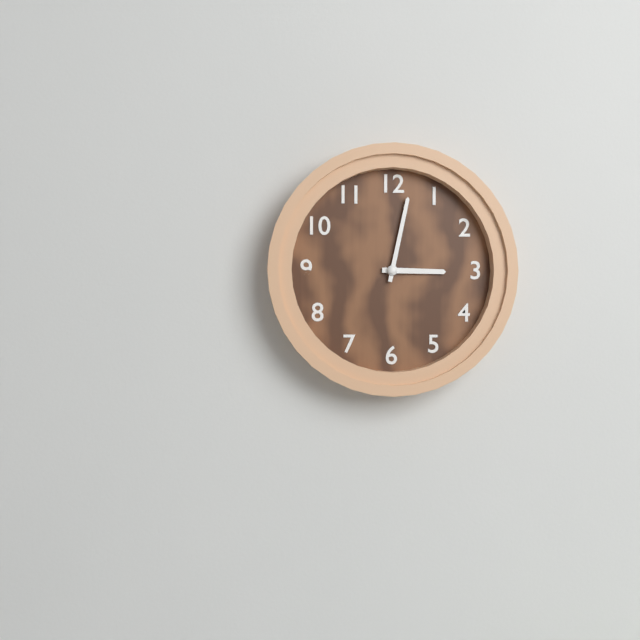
3,02
